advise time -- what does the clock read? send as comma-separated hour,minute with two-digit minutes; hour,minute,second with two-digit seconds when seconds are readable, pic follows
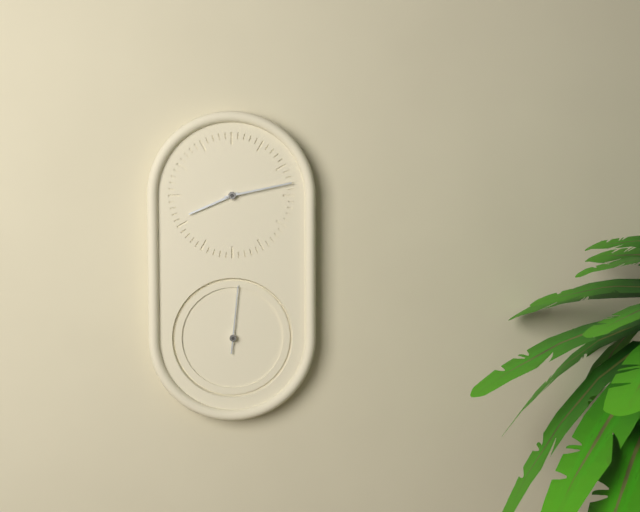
8,13,01
